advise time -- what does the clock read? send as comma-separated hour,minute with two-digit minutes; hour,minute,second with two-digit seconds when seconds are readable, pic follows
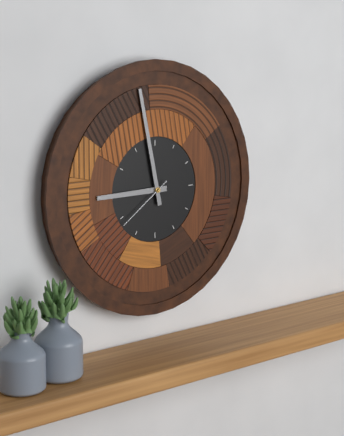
8,58,39
